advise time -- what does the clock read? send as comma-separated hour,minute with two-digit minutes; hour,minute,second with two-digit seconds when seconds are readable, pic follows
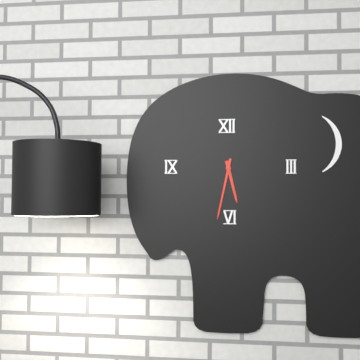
5,32
